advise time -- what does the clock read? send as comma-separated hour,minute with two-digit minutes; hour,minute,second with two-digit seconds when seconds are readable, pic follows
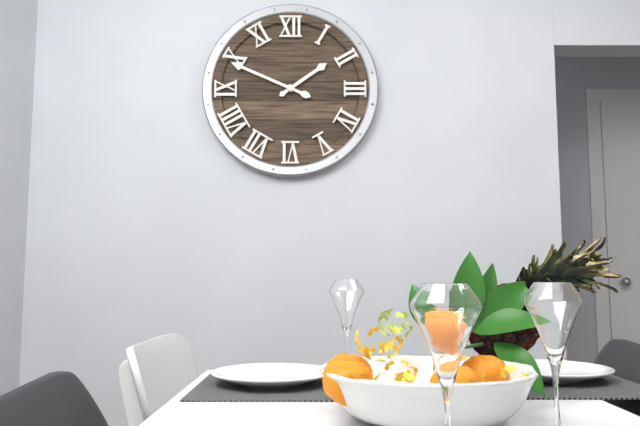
1,49
